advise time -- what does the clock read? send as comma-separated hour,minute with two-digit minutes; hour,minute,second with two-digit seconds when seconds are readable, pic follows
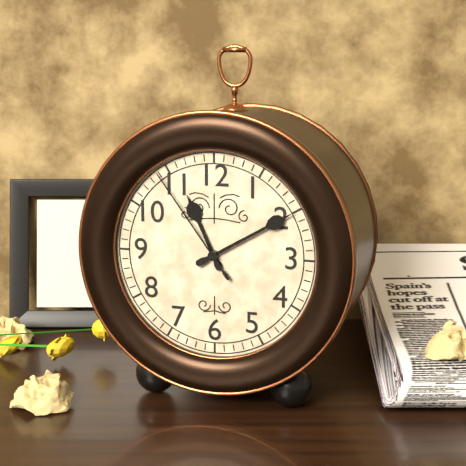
11,10,54
